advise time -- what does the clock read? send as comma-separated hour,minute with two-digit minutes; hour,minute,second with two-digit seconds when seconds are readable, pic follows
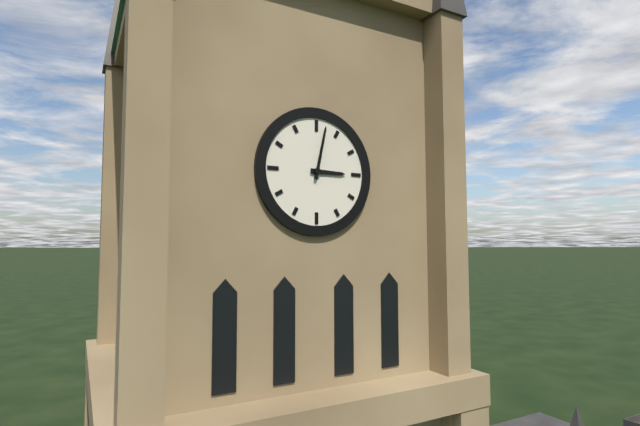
3,02
